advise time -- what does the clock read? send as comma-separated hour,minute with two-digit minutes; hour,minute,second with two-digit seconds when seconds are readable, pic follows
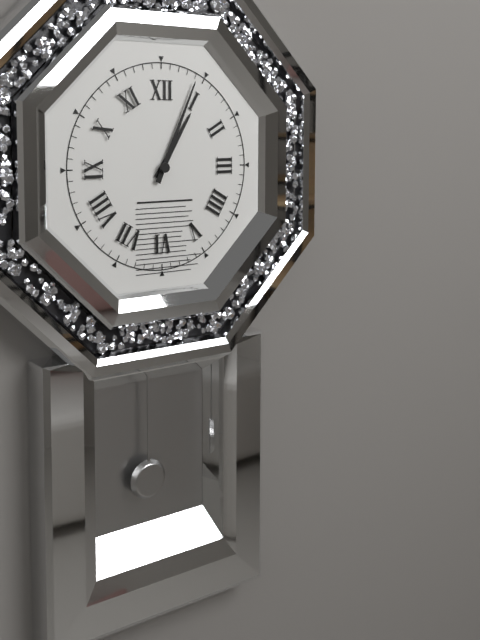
1,04
